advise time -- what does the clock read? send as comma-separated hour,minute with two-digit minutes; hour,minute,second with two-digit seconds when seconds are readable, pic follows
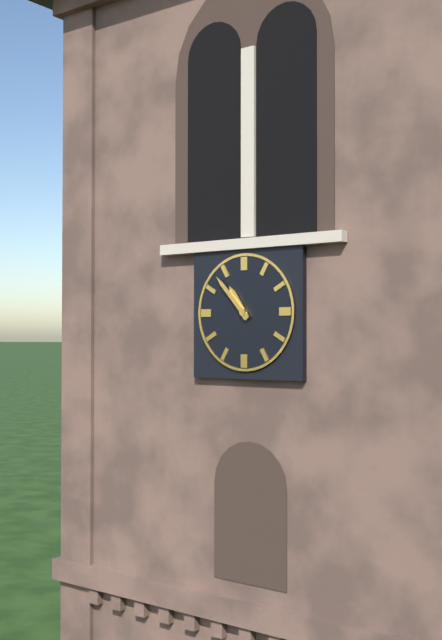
10,53
